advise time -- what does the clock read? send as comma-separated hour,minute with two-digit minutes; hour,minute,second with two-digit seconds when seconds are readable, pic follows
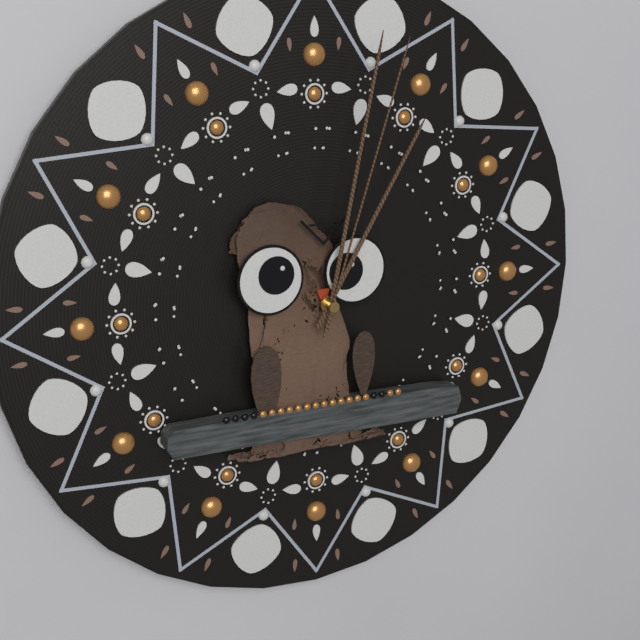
1,02,03
